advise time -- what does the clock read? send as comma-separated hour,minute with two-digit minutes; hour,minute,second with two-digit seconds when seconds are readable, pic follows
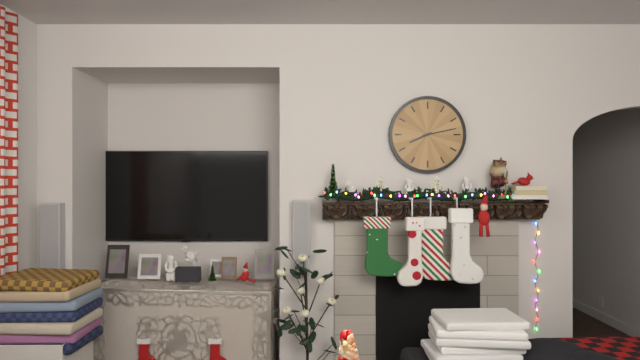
8,13
